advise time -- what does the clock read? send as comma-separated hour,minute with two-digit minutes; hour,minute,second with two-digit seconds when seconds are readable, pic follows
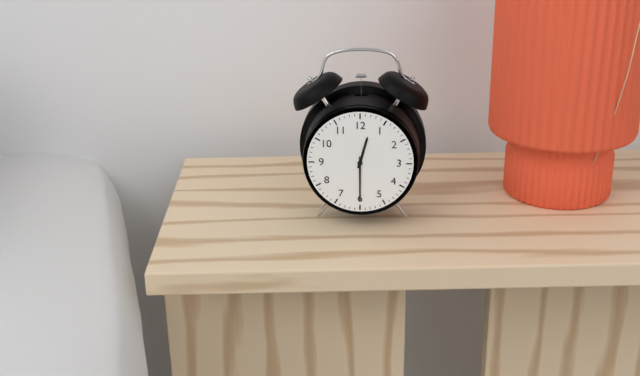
12,30
